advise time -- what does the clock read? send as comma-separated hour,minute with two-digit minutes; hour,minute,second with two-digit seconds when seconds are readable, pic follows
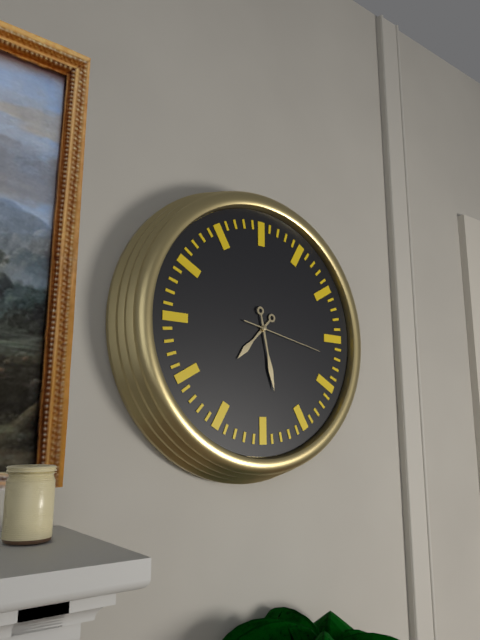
7,28,17
